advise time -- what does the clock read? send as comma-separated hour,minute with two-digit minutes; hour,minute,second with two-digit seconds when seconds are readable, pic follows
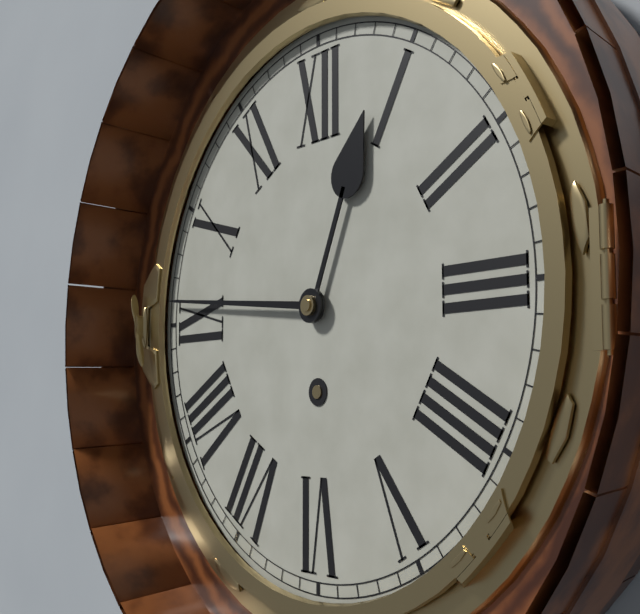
12,46
